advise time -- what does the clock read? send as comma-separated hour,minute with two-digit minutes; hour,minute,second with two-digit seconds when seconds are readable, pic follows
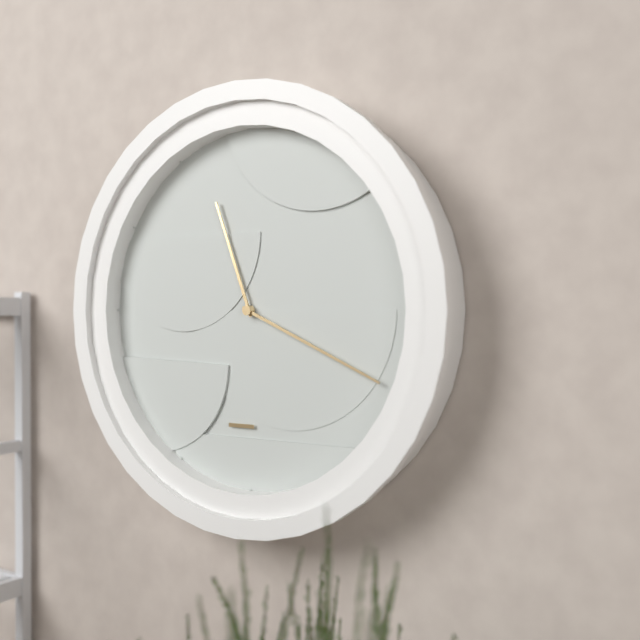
11,19
